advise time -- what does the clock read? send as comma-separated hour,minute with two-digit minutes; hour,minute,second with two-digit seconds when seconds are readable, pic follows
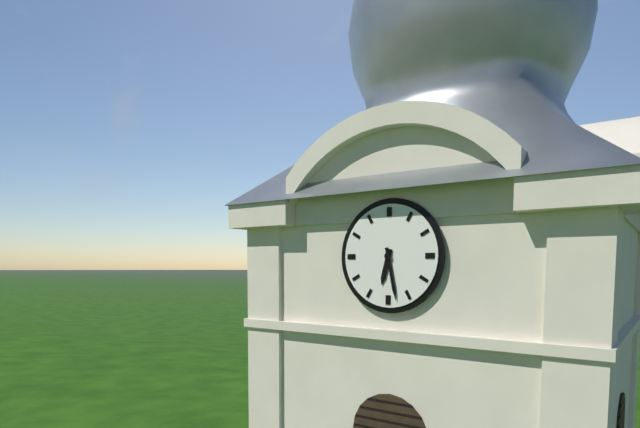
6,28
